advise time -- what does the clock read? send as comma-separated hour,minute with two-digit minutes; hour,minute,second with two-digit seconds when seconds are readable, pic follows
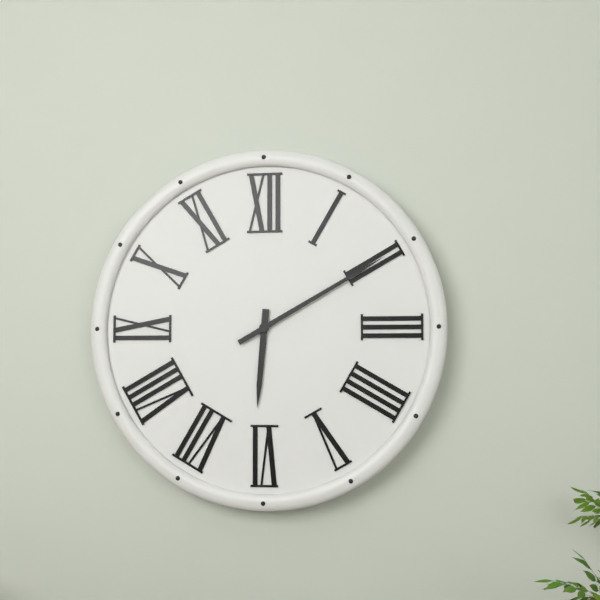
6,10
